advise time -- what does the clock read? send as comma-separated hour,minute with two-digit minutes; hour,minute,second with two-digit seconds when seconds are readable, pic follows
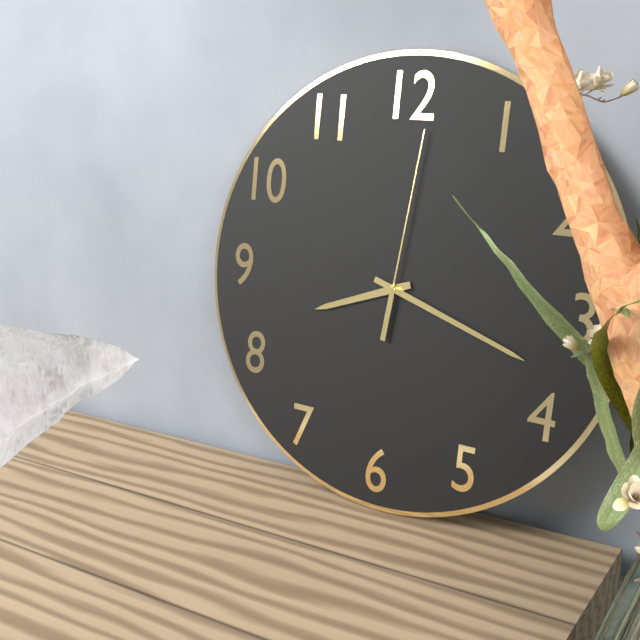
8,18,01
